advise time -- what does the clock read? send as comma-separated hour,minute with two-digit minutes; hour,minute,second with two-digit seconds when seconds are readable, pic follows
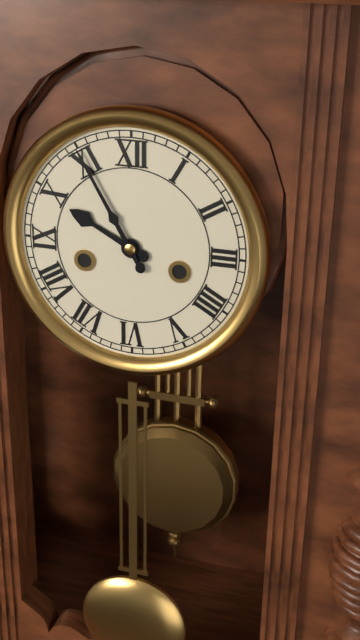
9,55
